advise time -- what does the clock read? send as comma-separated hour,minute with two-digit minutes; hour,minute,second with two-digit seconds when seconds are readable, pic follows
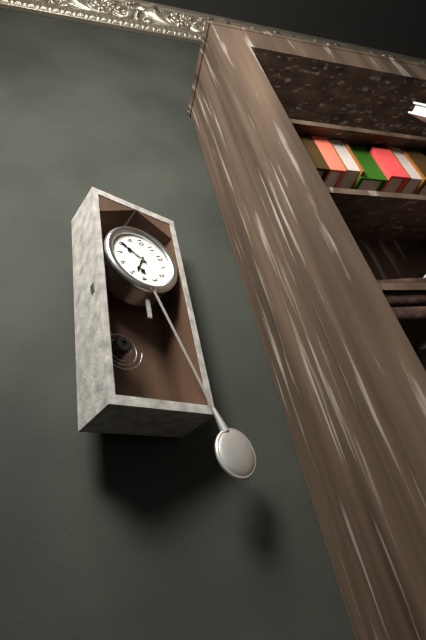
4,40
